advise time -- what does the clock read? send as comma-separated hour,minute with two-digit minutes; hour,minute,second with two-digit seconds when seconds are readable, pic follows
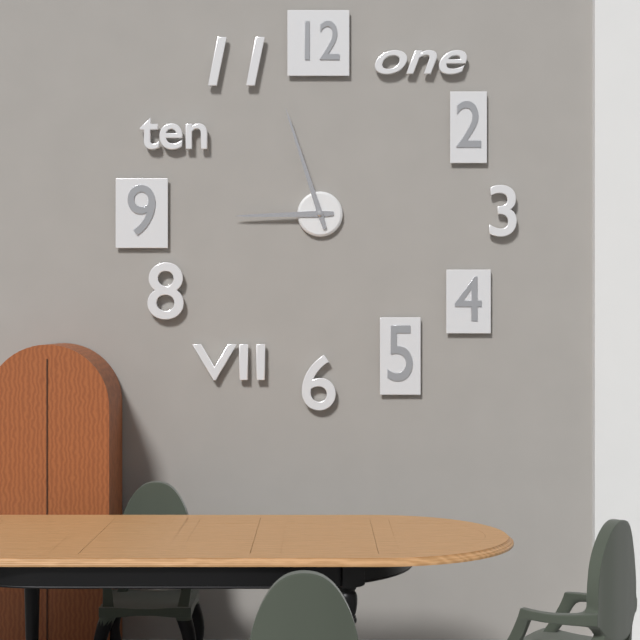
8,57
